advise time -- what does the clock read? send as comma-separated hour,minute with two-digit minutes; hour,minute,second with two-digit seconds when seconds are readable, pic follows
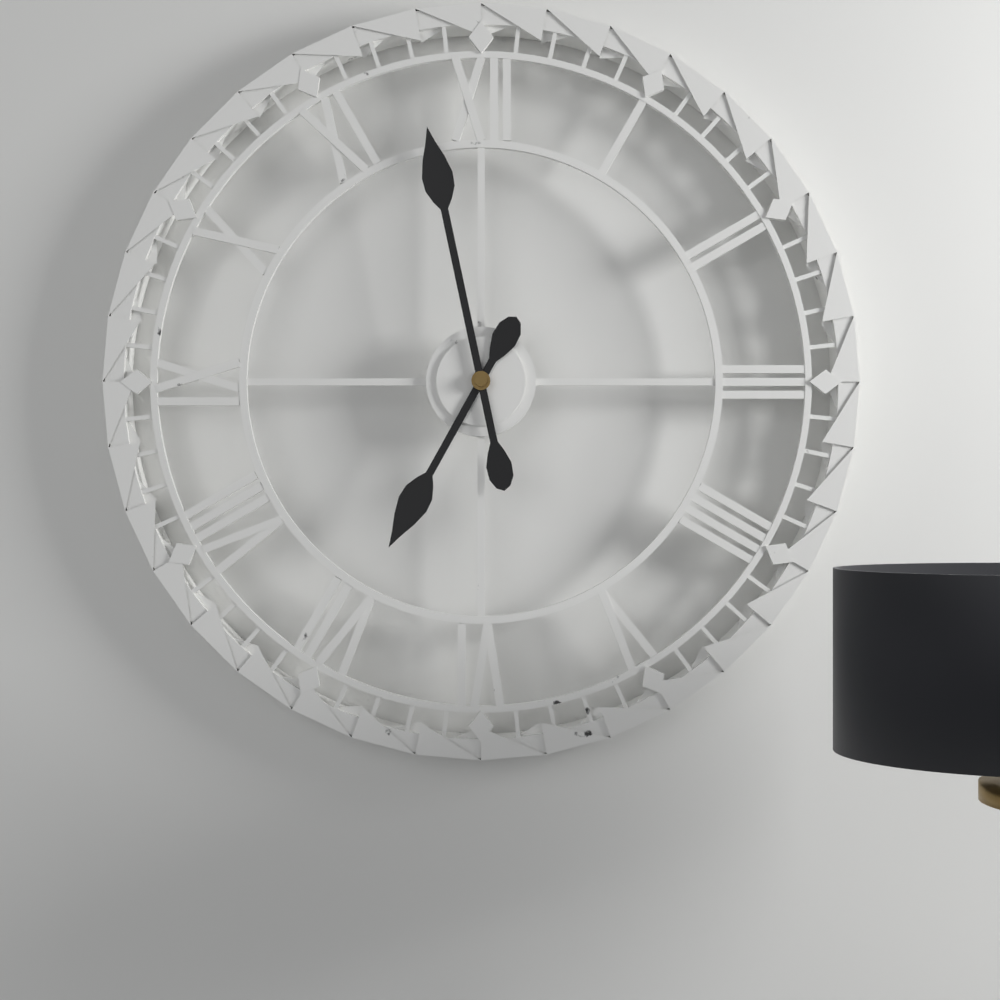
6,58
